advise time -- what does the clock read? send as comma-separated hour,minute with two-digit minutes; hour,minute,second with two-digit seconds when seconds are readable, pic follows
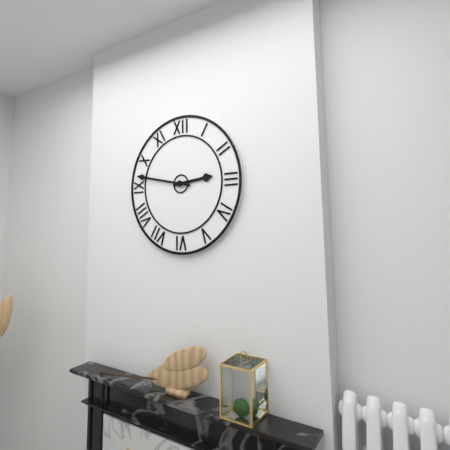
2,47
